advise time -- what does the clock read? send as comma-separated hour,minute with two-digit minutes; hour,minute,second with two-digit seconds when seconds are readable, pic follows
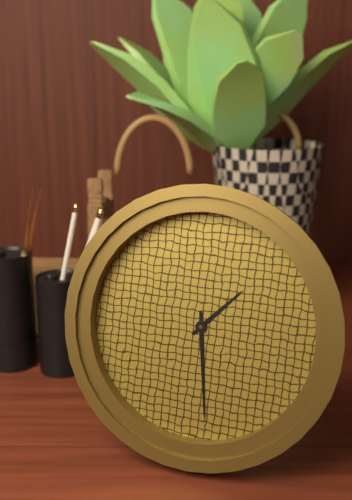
1,29
